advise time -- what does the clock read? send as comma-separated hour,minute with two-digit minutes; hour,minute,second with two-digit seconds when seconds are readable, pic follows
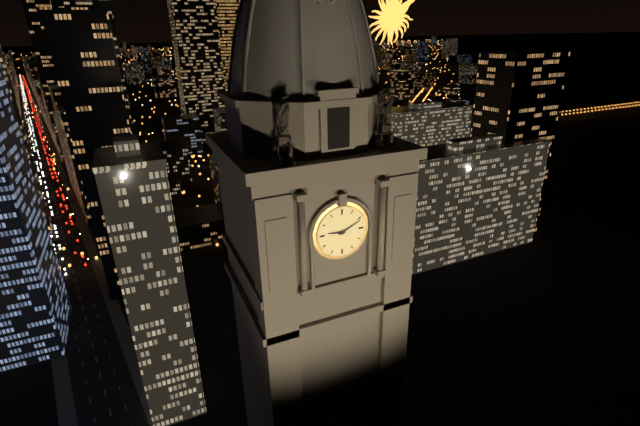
9,11
